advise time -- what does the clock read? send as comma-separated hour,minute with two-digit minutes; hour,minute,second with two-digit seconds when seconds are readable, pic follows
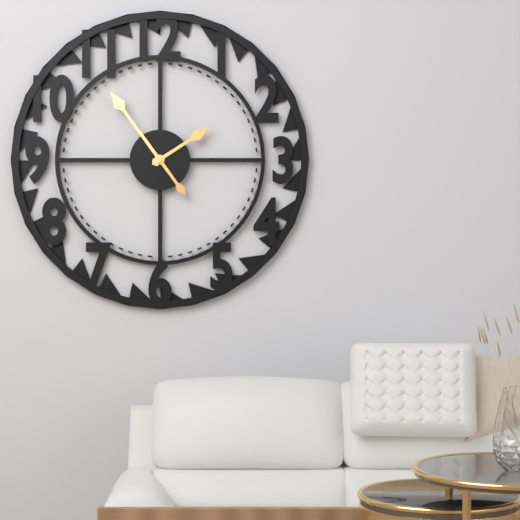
1,54
